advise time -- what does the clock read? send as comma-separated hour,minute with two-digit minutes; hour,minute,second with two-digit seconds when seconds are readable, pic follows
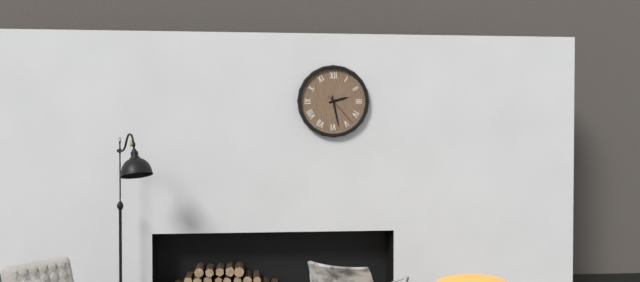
2,28
